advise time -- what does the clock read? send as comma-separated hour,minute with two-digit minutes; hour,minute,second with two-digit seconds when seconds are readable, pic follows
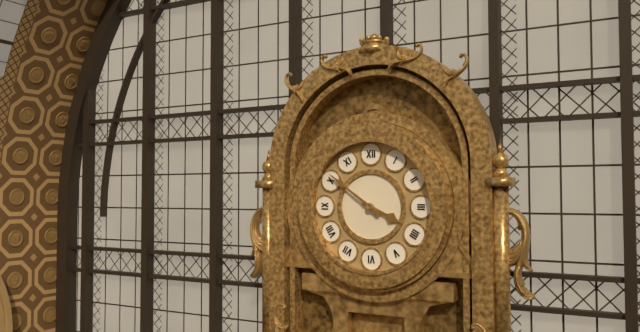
3,51
